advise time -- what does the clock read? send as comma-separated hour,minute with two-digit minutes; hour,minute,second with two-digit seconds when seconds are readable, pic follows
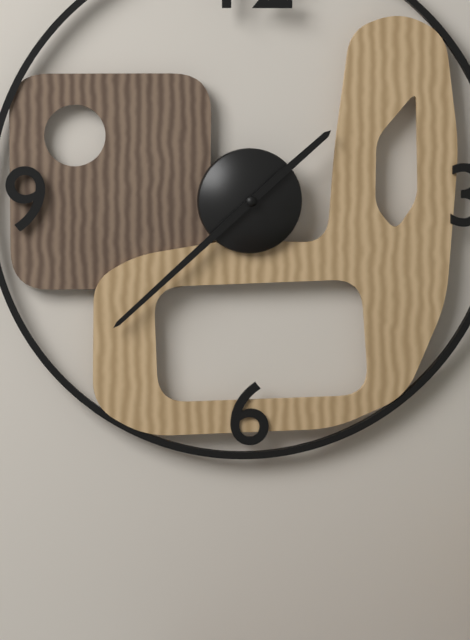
1,38
